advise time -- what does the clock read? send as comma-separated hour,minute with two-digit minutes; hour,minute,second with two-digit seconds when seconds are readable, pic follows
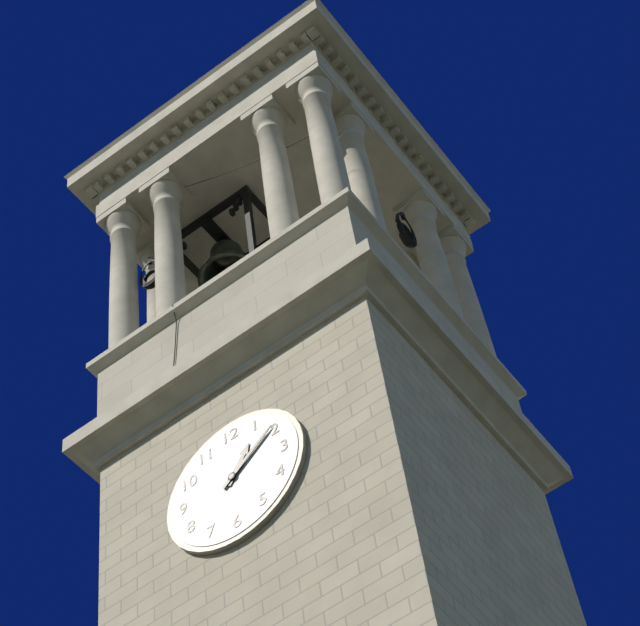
1,09
